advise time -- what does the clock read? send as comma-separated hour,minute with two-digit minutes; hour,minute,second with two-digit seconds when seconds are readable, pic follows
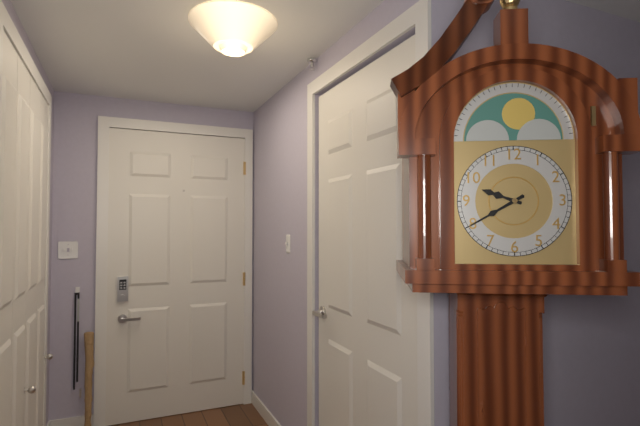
9,40
